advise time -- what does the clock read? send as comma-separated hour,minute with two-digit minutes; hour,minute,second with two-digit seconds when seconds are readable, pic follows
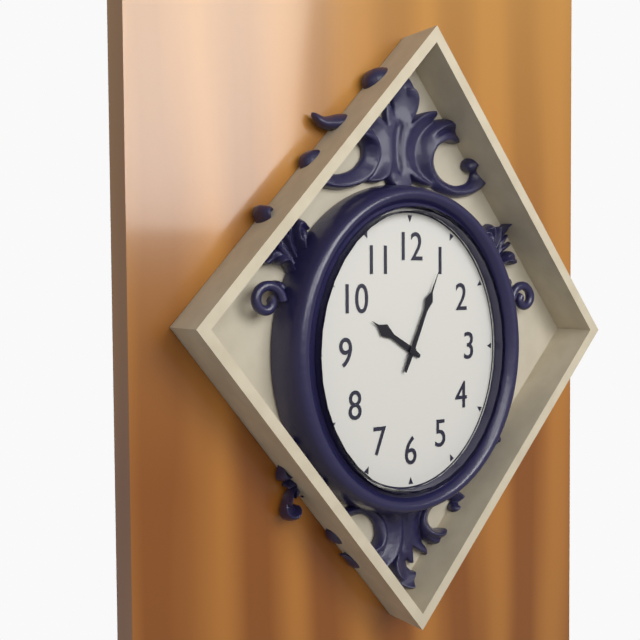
10,04
